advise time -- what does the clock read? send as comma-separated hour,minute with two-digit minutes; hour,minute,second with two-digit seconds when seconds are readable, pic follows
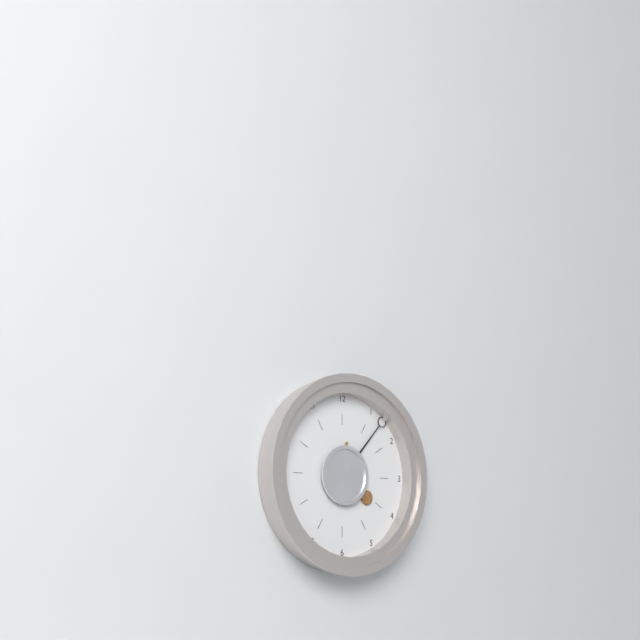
4,07
